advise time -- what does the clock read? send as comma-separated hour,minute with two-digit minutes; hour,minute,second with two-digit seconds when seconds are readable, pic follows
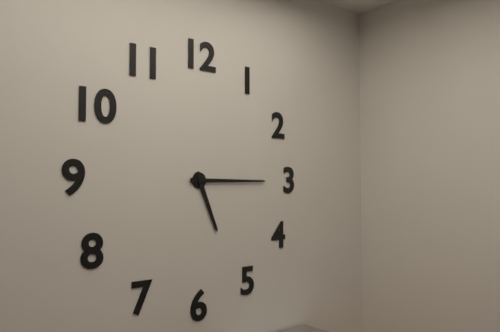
5,15
